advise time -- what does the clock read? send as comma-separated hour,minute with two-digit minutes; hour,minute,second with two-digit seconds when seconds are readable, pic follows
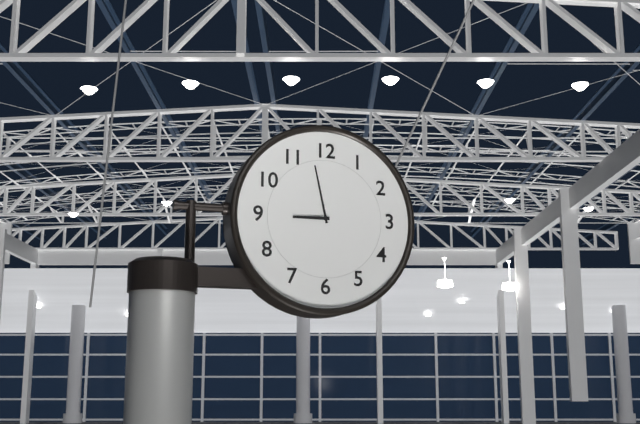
8,58
